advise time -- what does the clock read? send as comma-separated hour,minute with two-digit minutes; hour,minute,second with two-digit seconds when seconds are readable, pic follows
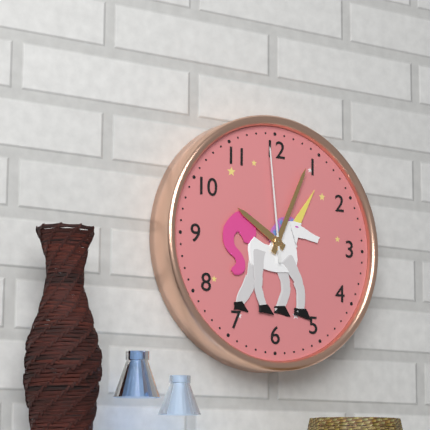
10,04,59
